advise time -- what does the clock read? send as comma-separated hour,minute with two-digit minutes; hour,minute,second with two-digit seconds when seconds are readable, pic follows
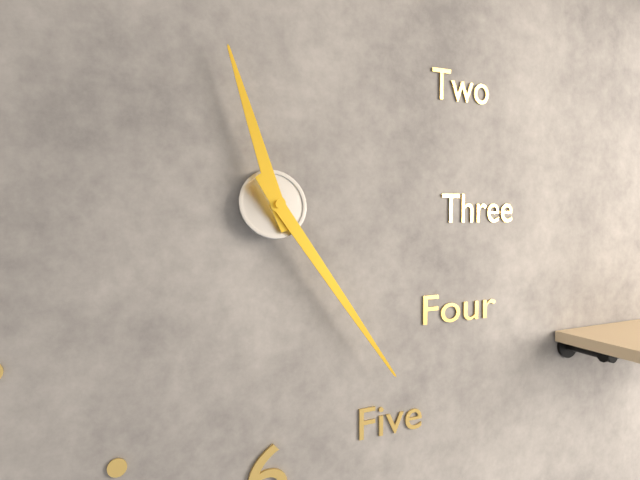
11,24
